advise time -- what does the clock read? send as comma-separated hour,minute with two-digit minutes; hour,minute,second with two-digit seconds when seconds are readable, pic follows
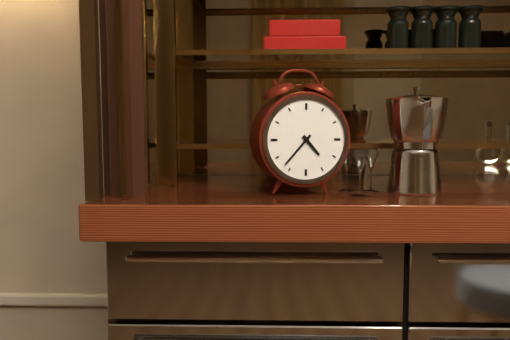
4,37
